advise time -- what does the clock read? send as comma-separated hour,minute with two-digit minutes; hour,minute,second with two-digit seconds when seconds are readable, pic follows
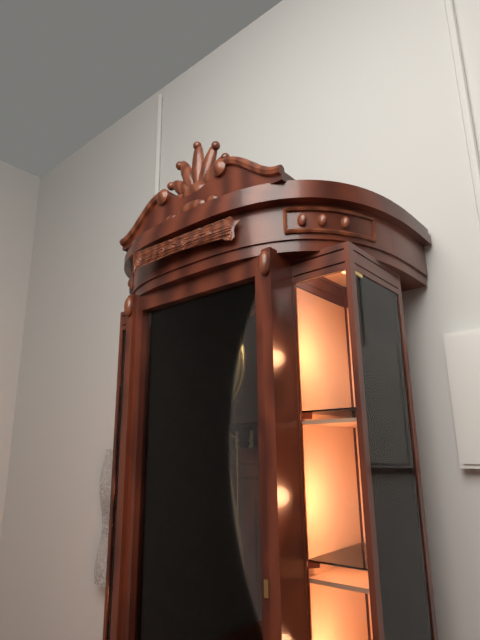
1,56
